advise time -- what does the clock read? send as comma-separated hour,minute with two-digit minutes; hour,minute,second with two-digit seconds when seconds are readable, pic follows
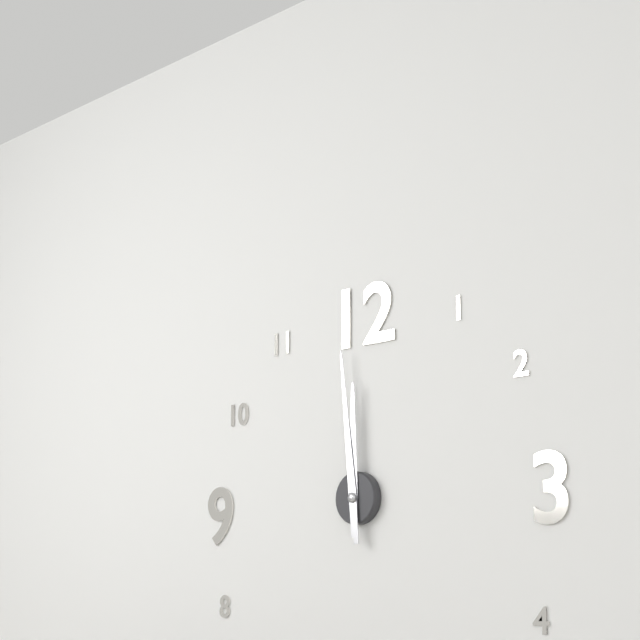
11,59
